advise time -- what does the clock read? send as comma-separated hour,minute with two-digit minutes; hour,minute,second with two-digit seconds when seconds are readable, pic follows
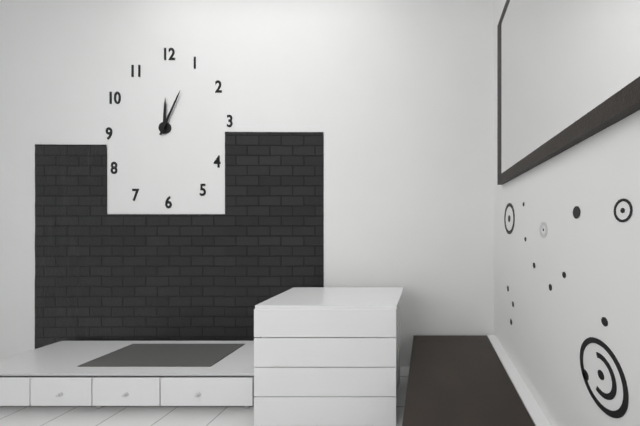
12,04
